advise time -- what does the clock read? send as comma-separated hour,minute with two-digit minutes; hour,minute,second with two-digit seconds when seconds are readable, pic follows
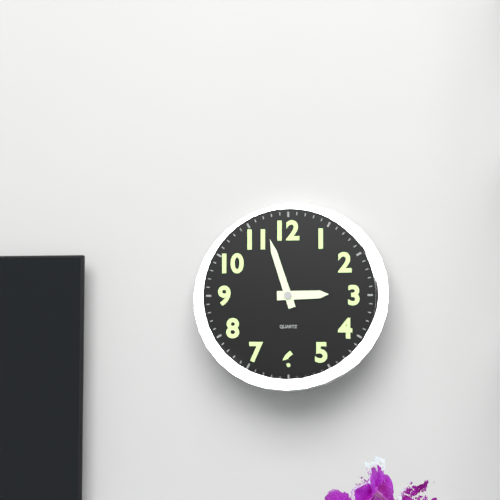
2,57
